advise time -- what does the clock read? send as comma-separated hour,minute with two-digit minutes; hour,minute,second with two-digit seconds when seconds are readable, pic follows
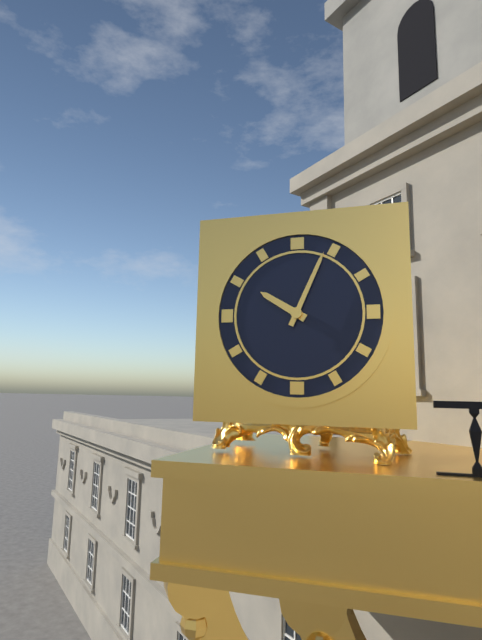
10,04
